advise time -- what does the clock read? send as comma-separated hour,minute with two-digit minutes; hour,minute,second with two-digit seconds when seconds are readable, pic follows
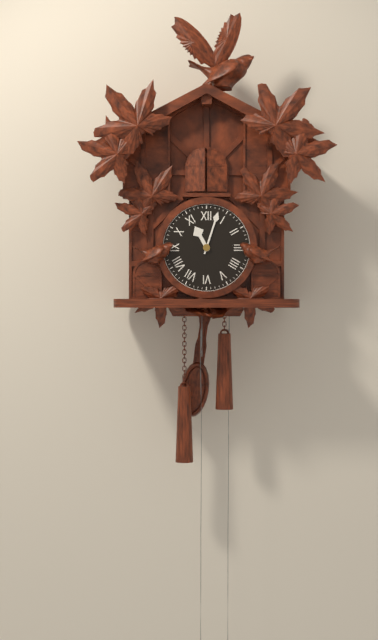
11,03
